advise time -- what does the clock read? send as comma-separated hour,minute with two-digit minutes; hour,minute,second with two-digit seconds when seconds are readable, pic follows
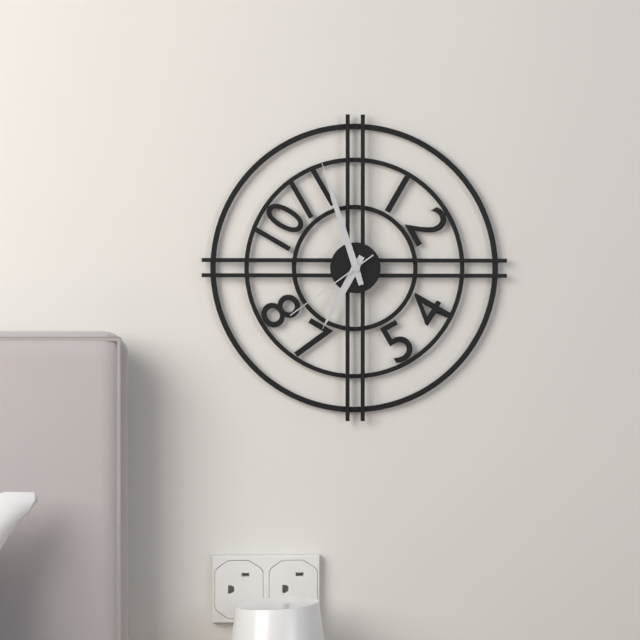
6,57,39
